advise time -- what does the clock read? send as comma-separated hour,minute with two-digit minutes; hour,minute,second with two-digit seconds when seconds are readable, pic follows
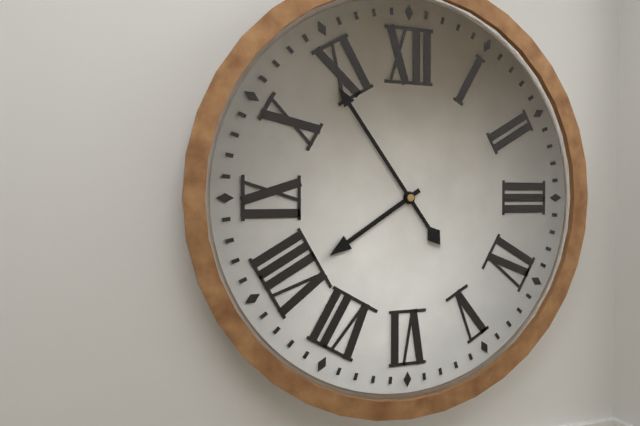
7,54
